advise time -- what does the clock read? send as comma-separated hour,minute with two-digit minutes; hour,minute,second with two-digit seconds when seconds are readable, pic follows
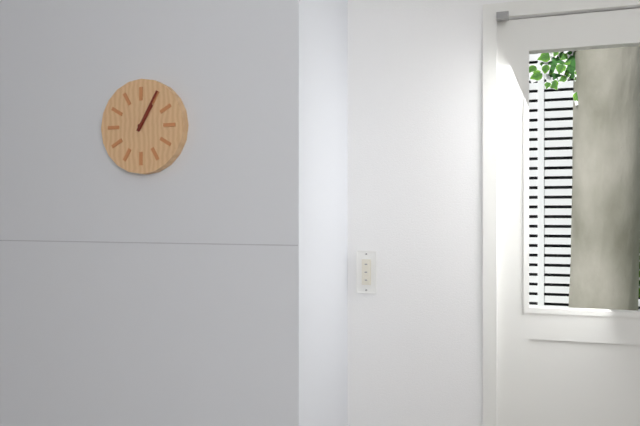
1,05
